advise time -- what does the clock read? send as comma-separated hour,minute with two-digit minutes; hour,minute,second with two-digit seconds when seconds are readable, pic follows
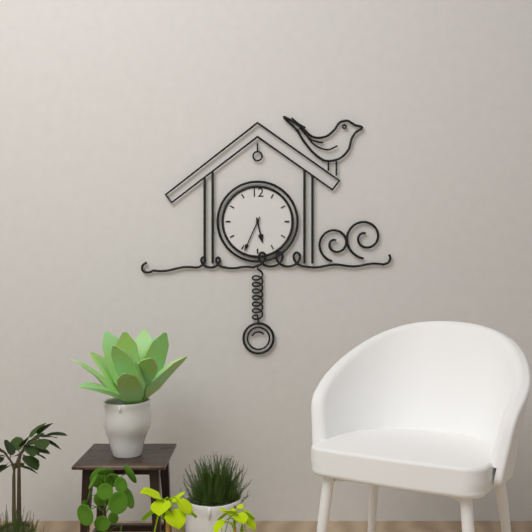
5,34
